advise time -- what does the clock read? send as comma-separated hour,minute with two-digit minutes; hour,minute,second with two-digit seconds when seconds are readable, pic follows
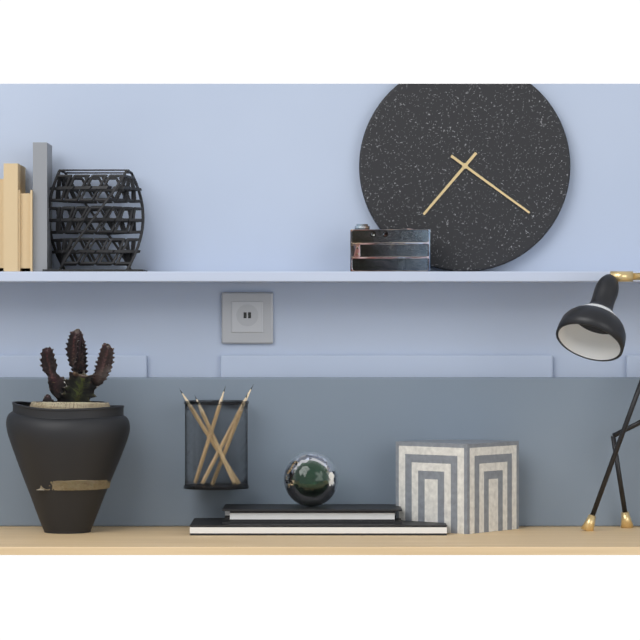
7,21
